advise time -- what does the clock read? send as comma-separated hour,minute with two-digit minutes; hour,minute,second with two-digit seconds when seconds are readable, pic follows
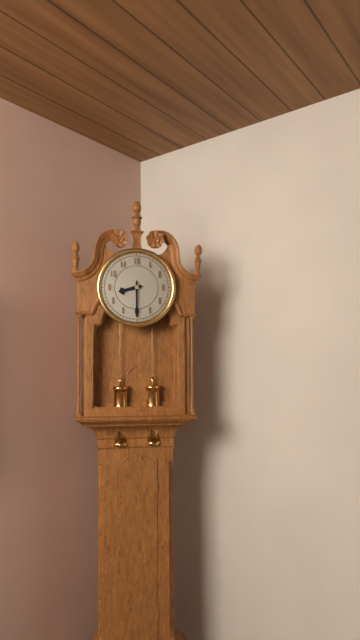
8,30
